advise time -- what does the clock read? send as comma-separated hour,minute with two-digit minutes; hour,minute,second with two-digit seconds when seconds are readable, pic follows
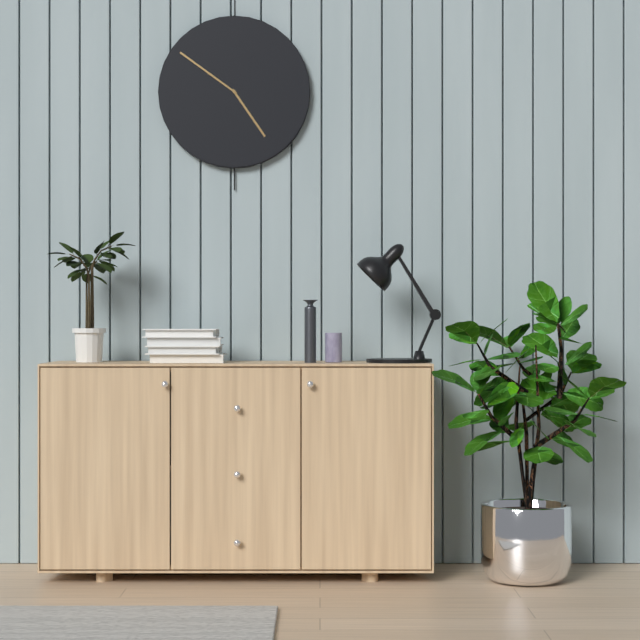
4,51
